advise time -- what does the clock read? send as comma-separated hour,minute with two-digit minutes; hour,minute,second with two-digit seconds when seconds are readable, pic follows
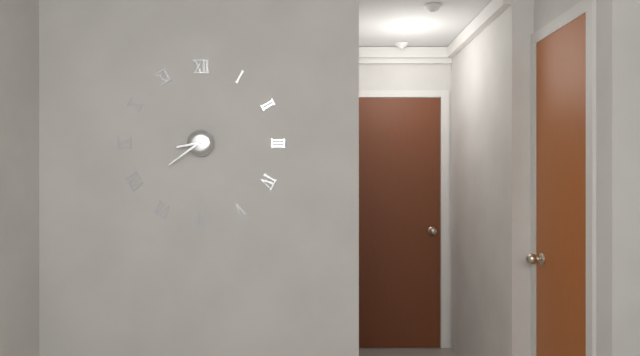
8,39
